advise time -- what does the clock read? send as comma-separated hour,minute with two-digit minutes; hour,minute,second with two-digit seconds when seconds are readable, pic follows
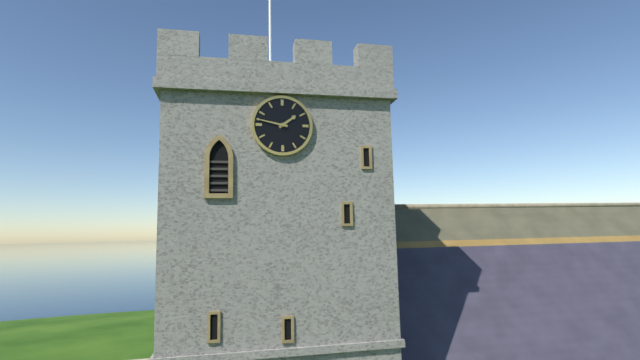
1,47
